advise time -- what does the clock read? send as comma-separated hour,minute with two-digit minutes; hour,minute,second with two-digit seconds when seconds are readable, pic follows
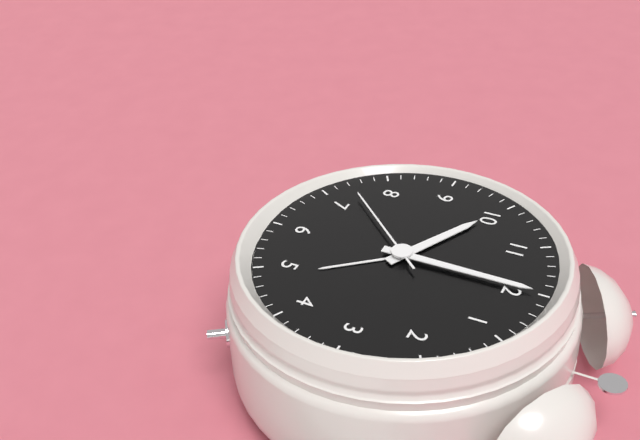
10,00,37
